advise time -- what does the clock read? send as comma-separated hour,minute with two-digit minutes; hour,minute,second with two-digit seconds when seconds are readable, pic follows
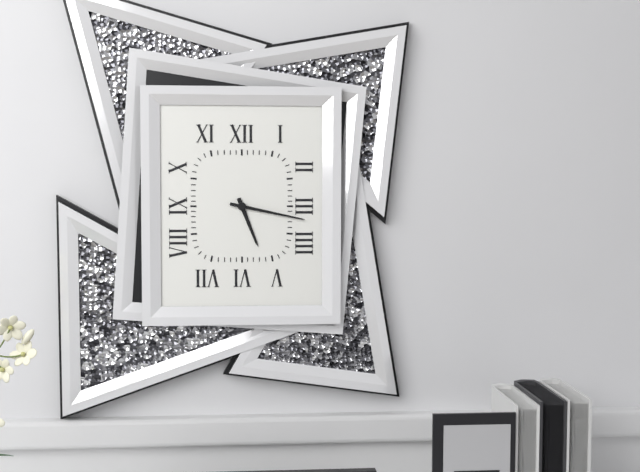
5,17
